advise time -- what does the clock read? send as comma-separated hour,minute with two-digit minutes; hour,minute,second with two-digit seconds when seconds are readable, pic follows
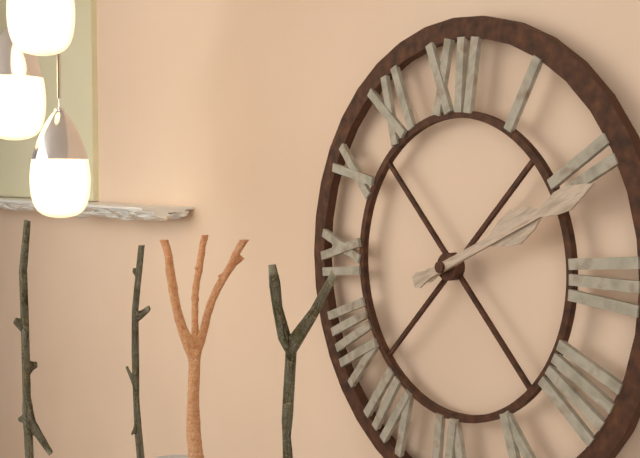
2,11
